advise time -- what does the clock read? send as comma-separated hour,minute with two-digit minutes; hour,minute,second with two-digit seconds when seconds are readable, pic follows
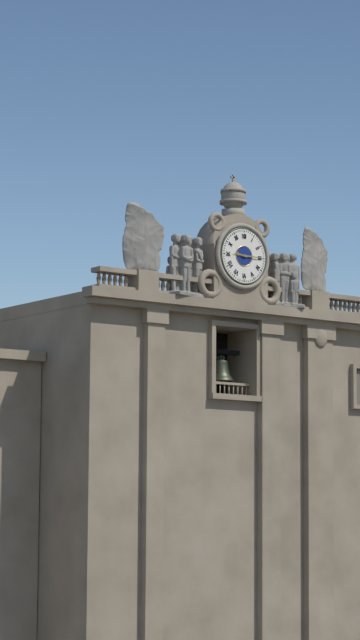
9,15
